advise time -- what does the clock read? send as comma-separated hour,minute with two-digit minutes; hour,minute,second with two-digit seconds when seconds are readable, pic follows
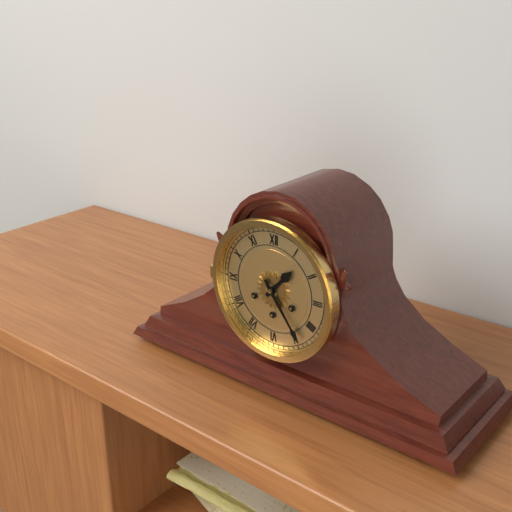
1,24
